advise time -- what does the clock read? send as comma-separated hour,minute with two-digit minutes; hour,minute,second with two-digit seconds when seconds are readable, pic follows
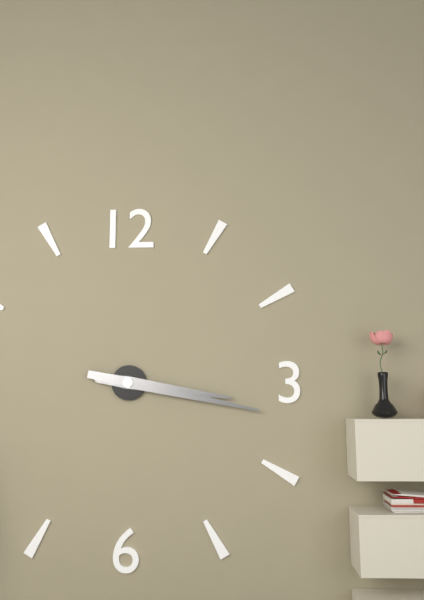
3,17
